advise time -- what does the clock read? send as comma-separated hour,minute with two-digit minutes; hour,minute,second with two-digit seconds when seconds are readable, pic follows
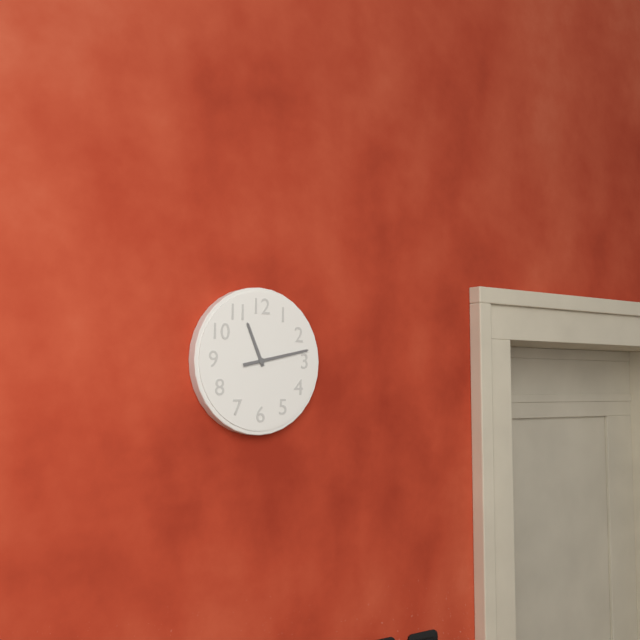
11,13
